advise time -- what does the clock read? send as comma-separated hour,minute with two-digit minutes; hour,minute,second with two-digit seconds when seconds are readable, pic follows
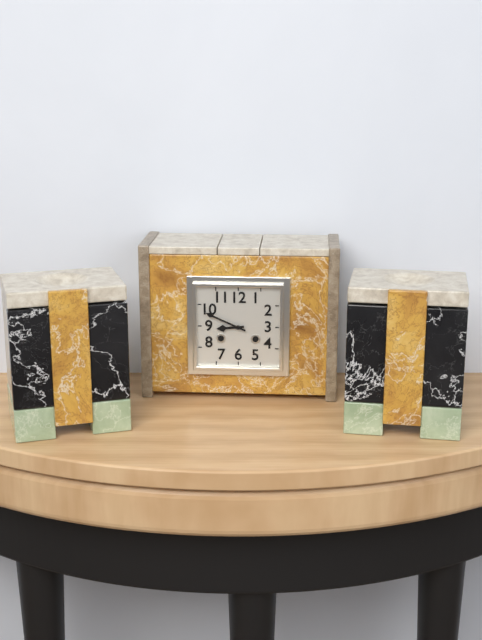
8,49
